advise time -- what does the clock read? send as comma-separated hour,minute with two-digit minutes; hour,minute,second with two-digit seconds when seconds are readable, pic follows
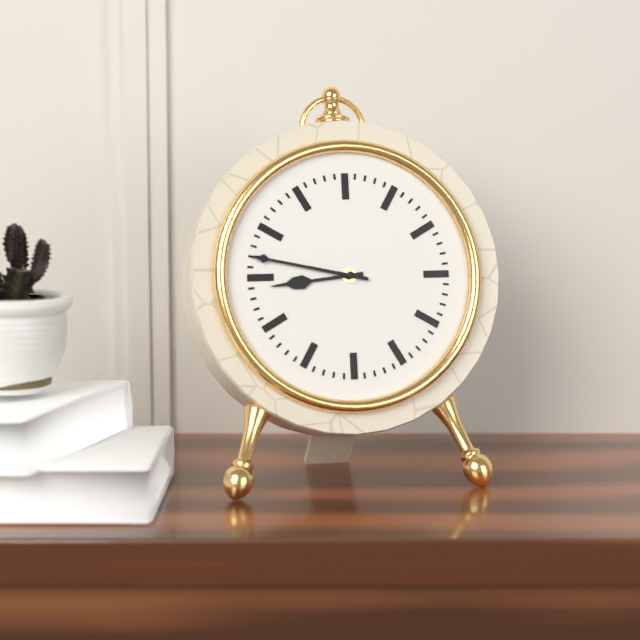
8,47
